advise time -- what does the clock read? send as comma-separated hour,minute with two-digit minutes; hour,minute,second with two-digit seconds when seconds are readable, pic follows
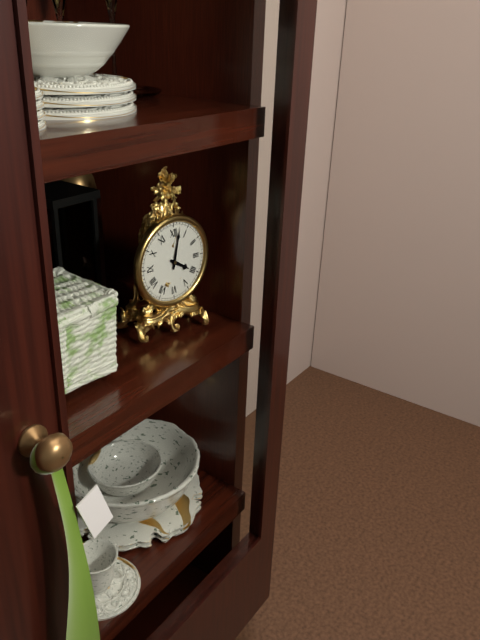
4,02
